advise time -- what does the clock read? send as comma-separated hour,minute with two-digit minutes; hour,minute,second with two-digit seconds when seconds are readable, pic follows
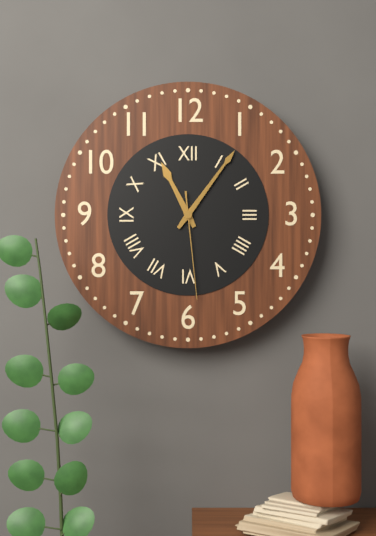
11,06,29
